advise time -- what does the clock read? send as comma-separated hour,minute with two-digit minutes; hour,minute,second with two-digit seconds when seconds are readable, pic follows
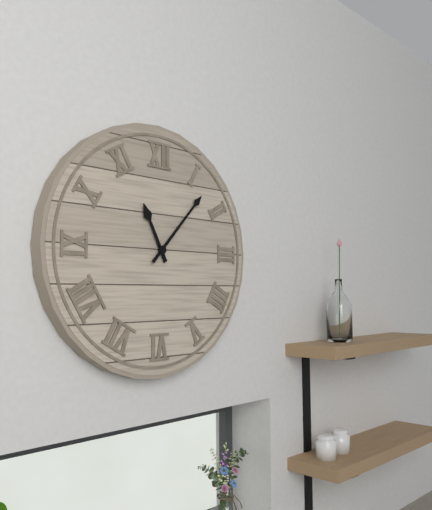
11,07
